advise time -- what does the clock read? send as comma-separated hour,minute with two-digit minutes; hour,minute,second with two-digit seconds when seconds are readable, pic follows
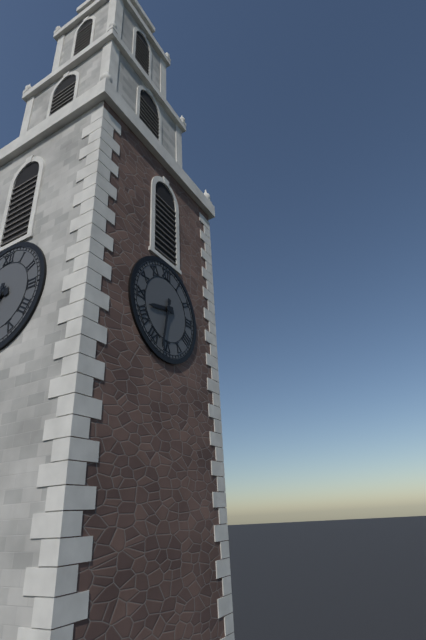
8,32
